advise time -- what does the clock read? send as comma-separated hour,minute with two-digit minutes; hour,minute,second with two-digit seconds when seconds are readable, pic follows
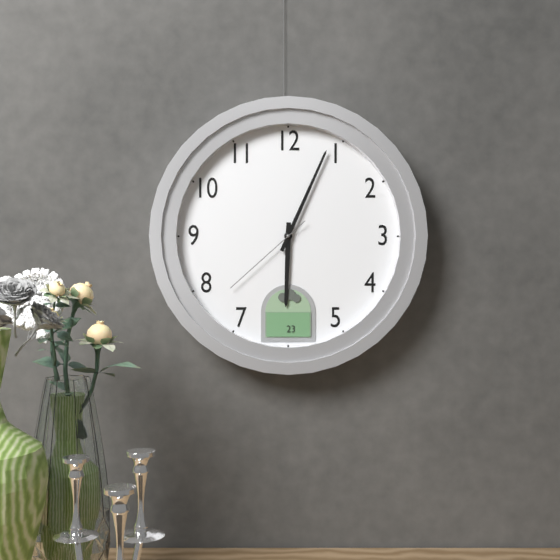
6,04,38
